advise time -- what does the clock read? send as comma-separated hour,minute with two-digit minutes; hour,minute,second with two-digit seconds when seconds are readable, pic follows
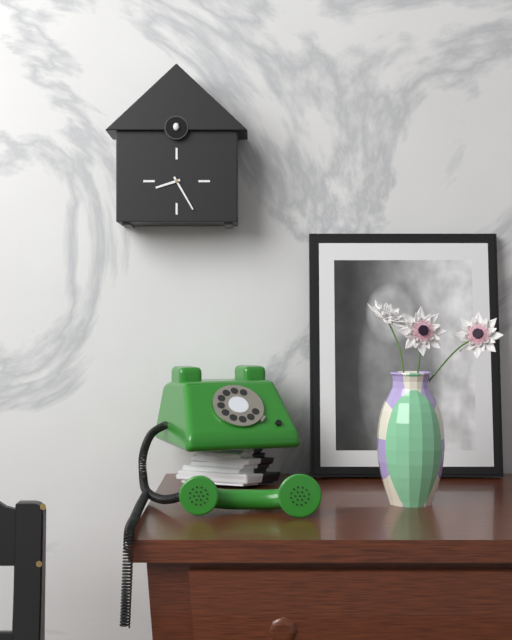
8,25
